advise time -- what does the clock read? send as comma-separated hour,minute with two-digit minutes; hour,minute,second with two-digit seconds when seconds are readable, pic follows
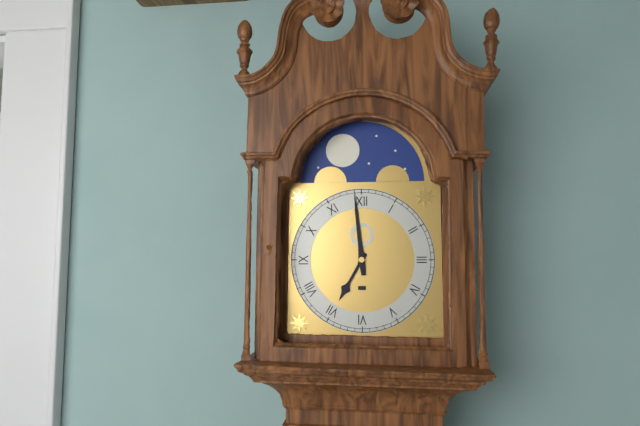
6,59
